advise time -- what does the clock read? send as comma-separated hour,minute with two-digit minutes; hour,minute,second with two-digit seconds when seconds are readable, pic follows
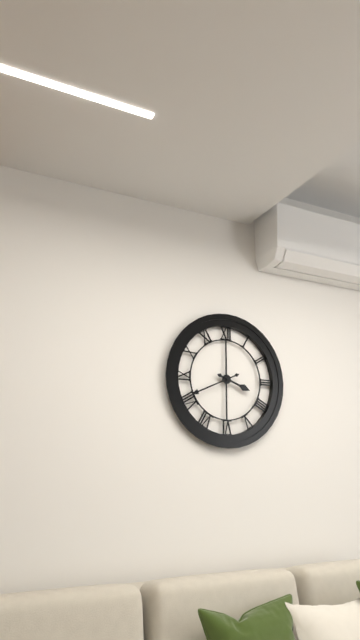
3,41
